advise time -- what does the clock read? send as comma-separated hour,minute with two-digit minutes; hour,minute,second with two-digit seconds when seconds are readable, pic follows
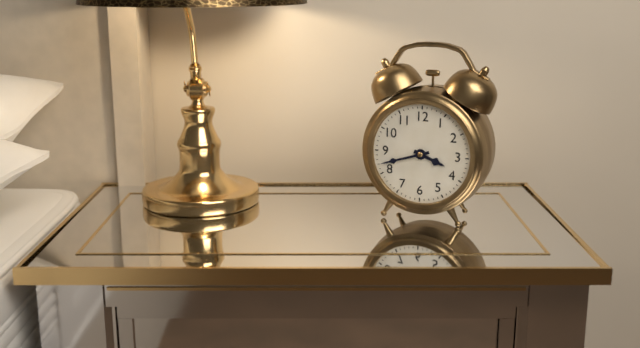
3,42
